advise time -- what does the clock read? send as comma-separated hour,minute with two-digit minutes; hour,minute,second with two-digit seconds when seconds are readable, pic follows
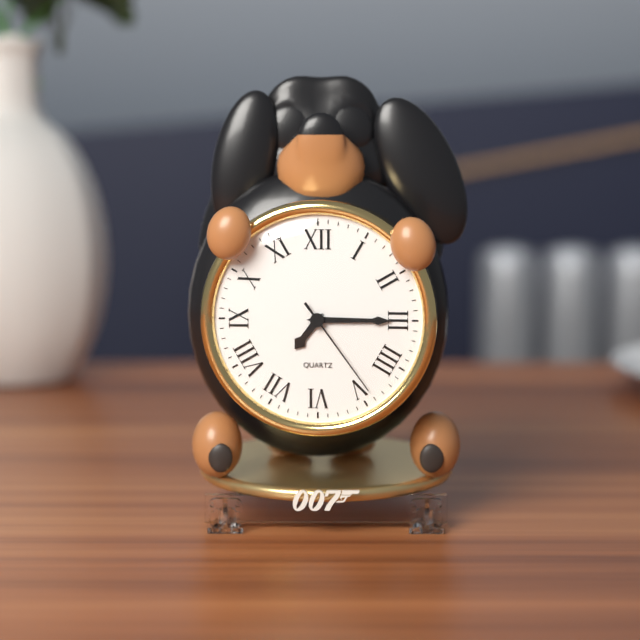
7,15,24
